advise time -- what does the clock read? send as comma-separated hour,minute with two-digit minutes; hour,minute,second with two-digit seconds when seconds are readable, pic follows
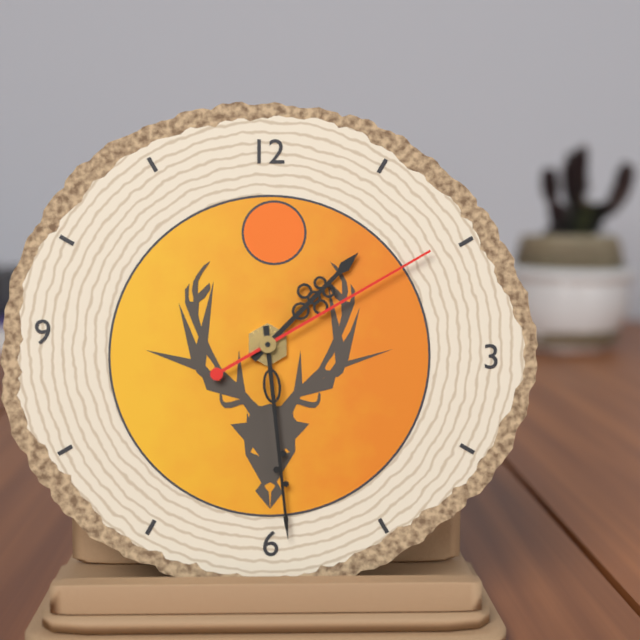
1,29,10
